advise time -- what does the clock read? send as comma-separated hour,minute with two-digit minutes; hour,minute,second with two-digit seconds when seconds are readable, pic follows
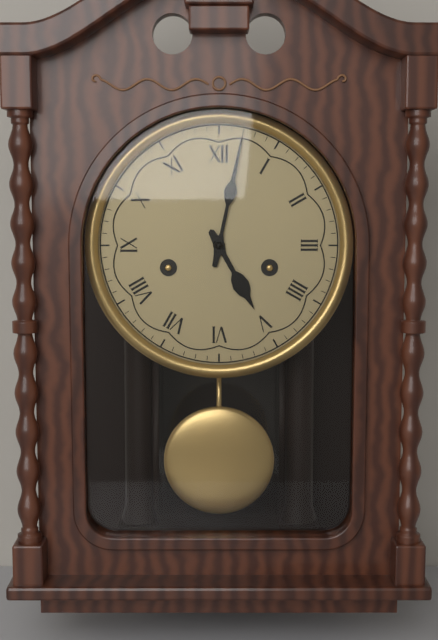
5,02
